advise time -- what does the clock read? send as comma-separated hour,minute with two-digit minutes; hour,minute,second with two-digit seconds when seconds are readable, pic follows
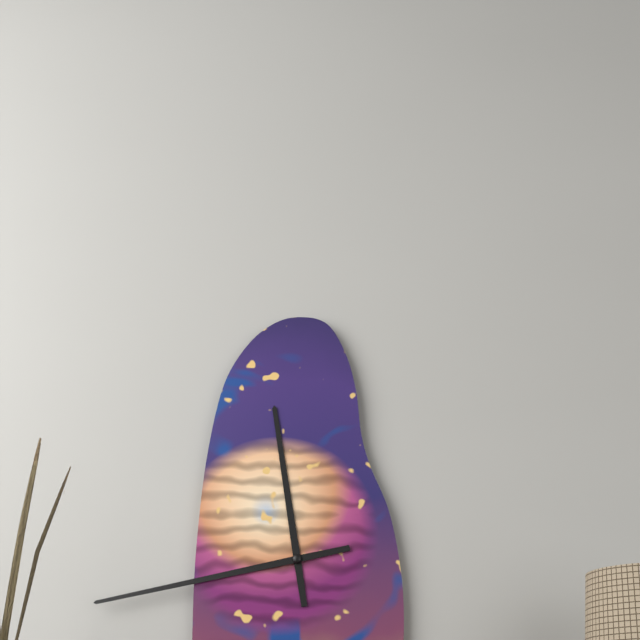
11,43
